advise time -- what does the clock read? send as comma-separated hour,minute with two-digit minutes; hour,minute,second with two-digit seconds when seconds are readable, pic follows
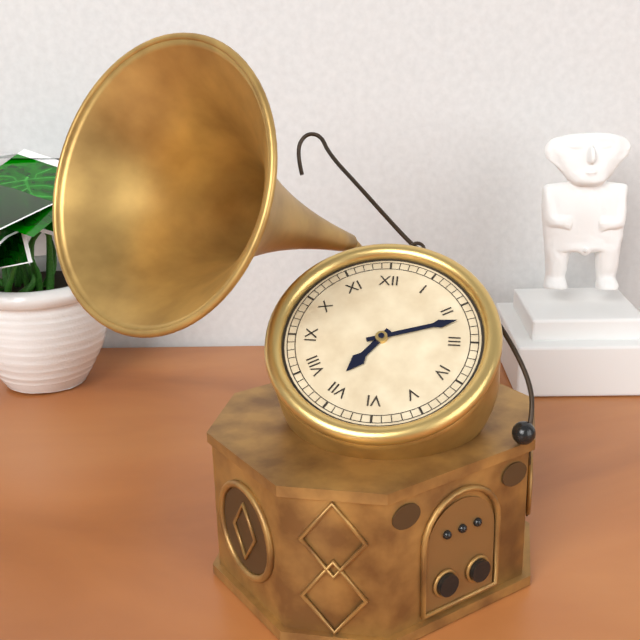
7,12
